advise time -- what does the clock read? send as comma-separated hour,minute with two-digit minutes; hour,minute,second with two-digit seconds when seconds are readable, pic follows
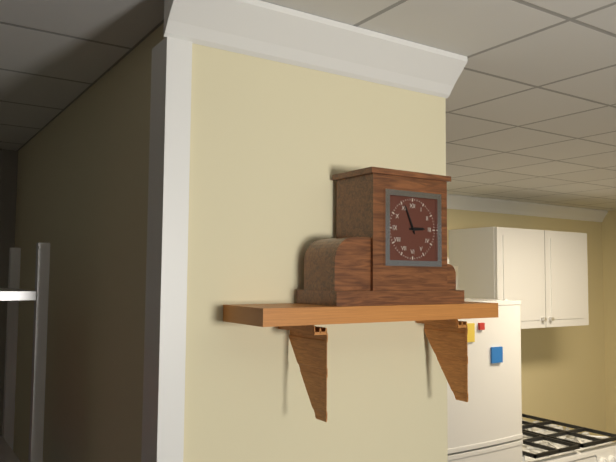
2,56
